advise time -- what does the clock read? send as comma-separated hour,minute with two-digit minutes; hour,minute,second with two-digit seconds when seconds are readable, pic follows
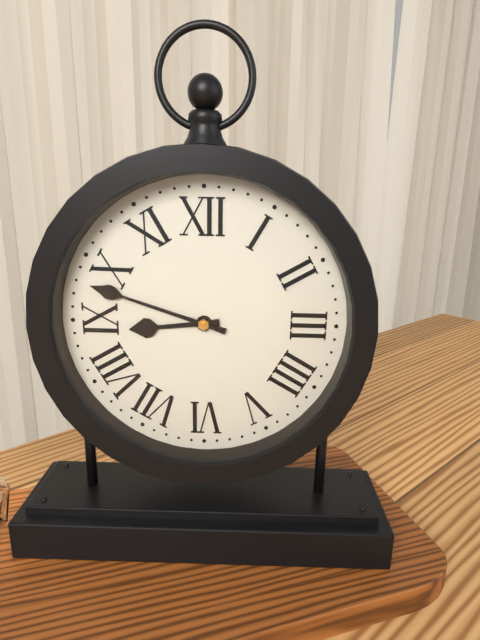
8,48
